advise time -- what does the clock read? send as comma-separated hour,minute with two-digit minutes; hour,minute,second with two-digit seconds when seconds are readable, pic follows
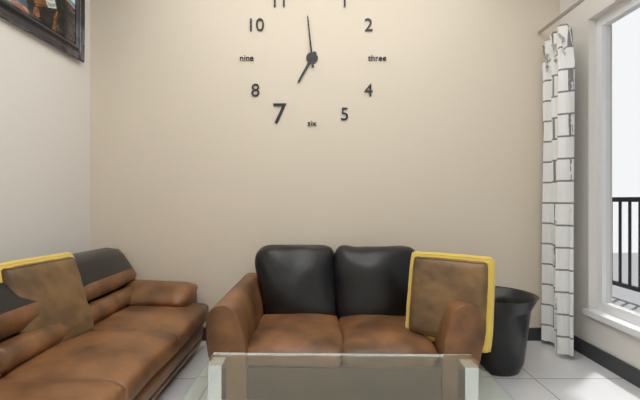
6,59
